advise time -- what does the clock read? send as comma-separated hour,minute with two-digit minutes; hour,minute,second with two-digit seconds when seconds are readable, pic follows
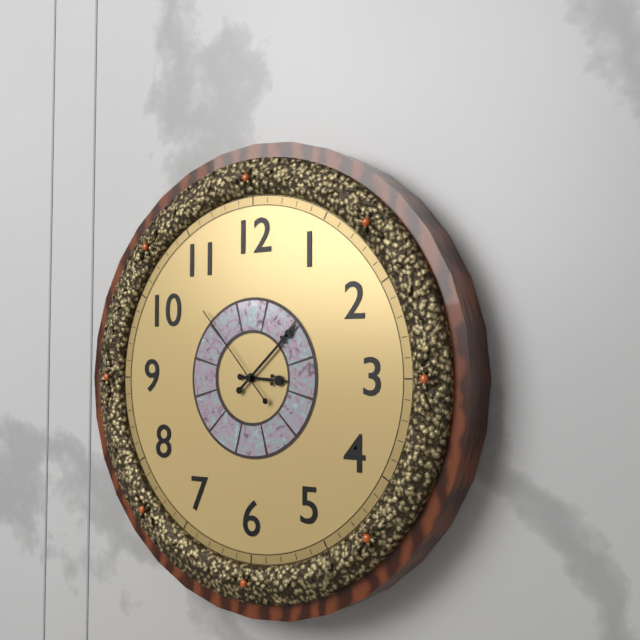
3,08,53
